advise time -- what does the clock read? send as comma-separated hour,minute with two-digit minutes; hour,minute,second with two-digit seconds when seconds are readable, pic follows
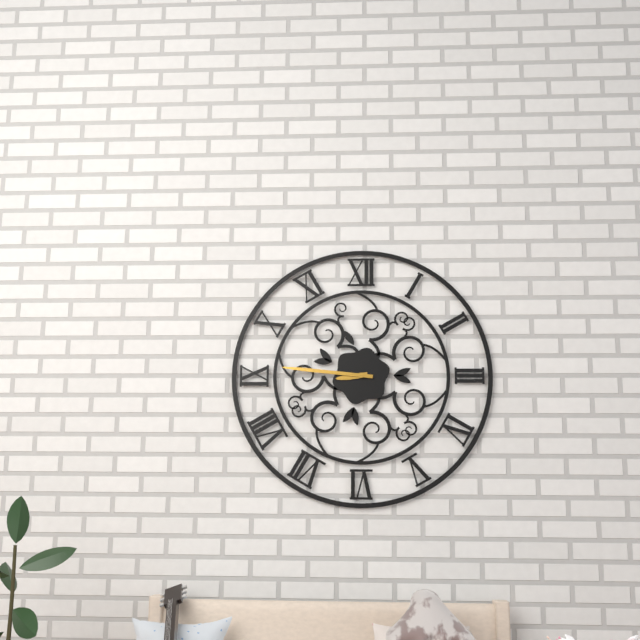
8,46
